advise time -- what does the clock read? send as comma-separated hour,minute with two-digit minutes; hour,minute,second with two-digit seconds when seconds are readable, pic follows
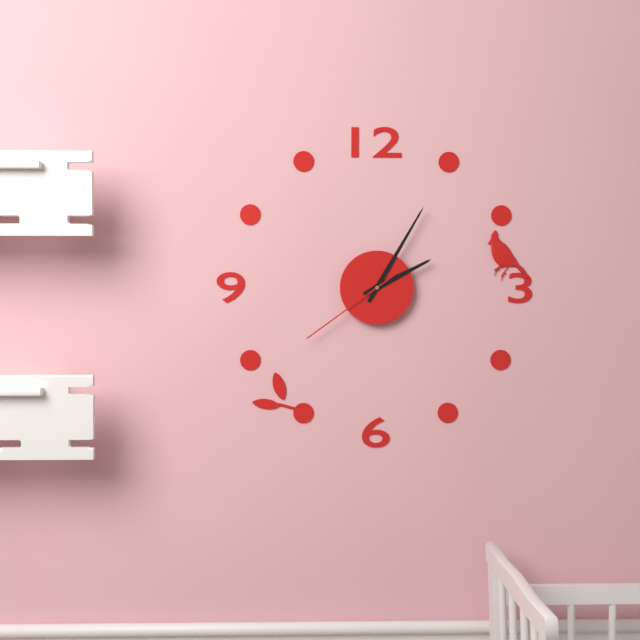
2,05,39
